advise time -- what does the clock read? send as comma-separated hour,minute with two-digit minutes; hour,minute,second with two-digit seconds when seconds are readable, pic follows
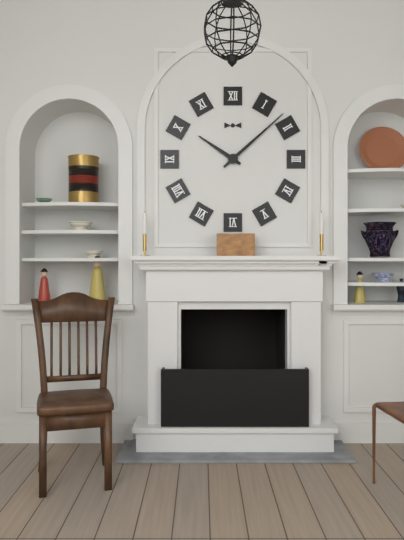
10,08
